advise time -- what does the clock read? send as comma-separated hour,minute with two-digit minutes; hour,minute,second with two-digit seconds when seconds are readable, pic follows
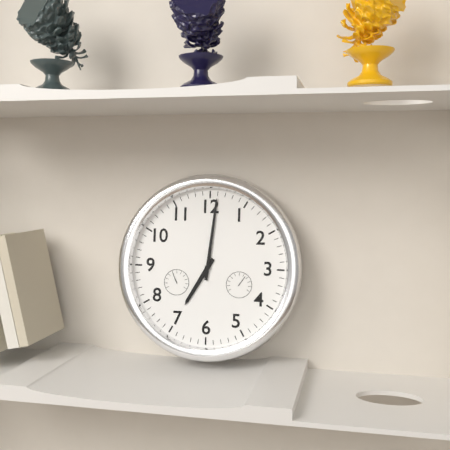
7,01
